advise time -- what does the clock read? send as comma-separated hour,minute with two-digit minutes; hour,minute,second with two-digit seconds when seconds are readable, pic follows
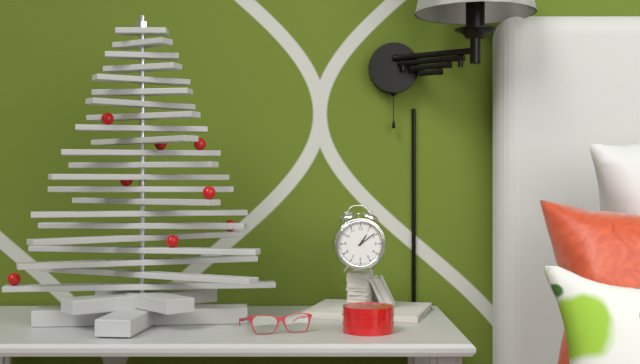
1,09
